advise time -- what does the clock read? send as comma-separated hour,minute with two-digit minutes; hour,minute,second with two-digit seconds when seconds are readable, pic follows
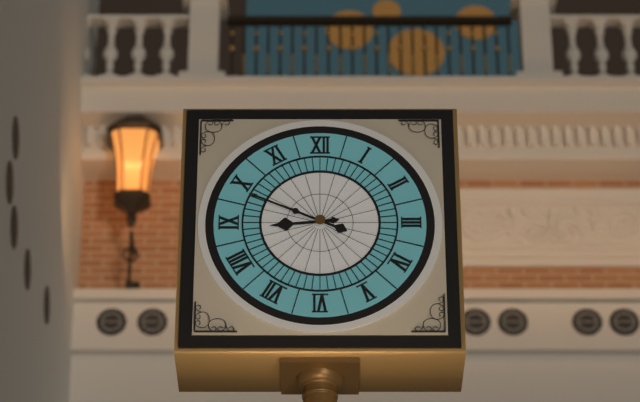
8,49
